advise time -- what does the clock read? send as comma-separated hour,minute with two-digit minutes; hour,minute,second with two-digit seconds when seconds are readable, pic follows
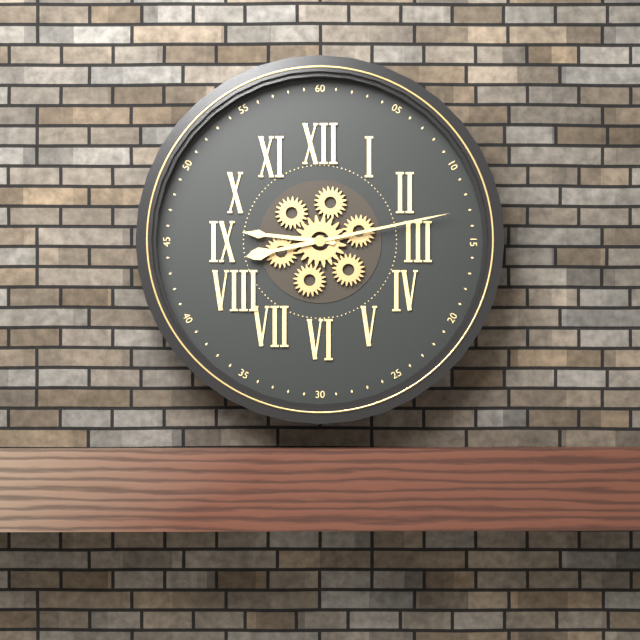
9,13
